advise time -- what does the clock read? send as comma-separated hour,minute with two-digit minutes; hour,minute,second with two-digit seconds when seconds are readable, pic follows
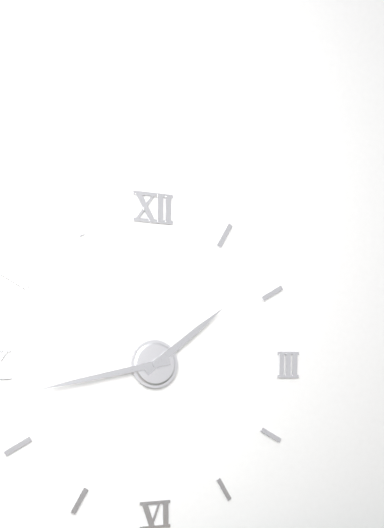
1,43
